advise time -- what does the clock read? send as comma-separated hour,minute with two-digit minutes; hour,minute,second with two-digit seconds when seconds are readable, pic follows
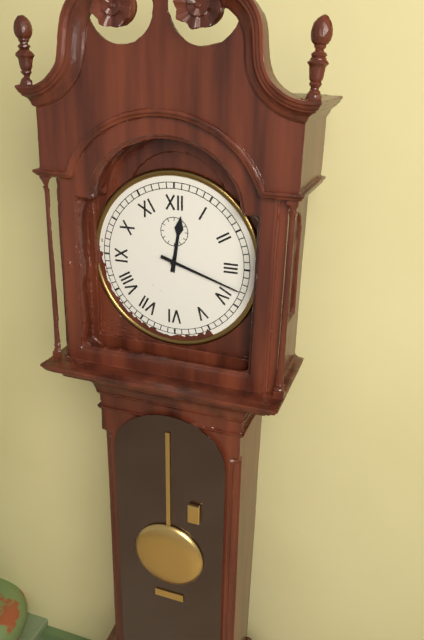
12,18
